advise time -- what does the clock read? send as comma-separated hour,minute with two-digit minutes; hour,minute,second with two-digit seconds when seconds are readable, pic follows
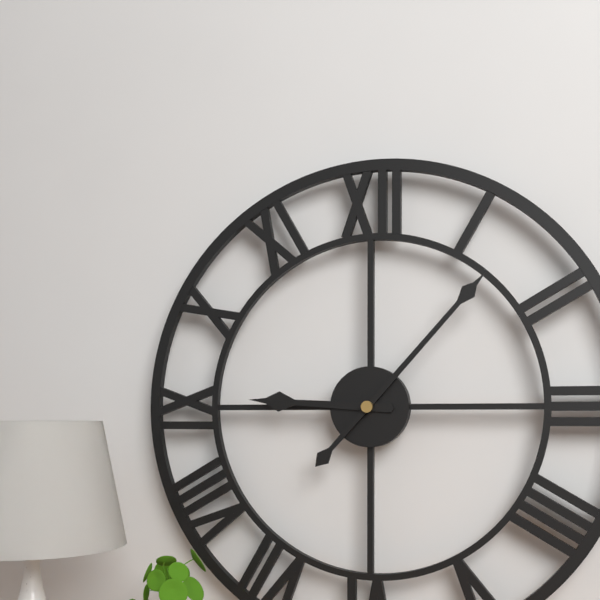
9,07
